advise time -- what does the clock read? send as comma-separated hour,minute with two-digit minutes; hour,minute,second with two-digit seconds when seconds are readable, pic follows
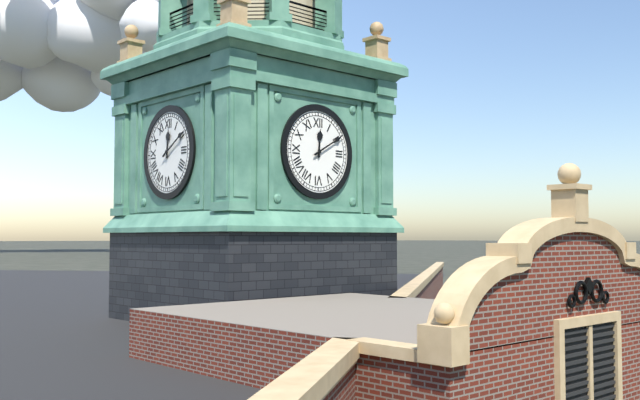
12,10
